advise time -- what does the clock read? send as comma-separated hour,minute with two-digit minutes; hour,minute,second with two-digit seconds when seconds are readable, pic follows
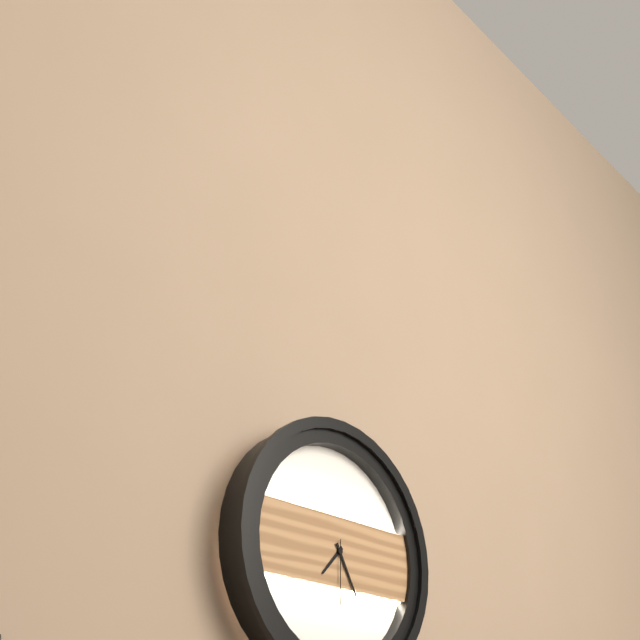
7,25,30
